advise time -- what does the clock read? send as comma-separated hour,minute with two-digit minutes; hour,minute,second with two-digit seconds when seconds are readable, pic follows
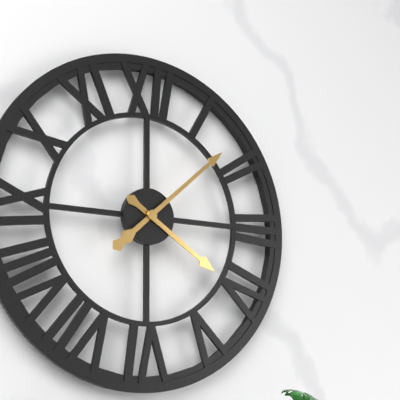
4,08
